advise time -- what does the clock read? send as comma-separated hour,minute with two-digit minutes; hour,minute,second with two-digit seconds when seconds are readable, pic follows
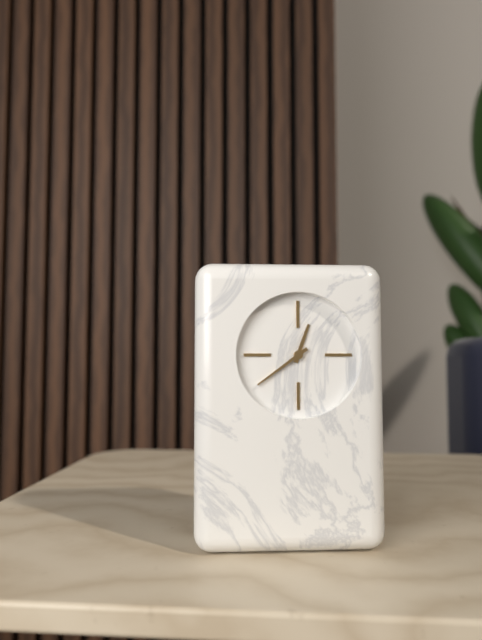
12,39
